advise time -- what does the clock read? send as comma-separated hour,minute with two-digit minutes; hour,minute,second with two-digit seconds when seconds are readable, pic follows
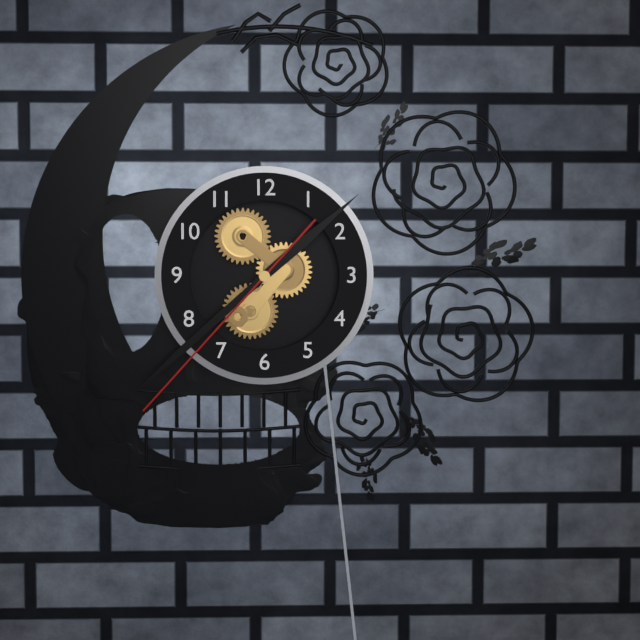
1,38,37
